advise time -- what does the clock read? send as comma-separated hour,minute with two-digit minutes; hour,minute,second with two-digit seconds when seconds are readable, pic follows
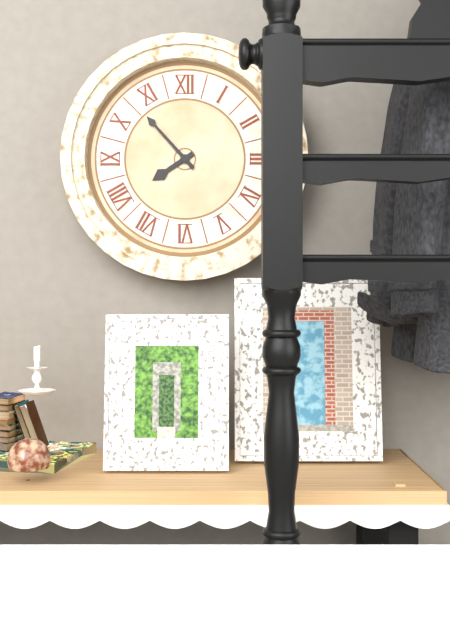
7,53
